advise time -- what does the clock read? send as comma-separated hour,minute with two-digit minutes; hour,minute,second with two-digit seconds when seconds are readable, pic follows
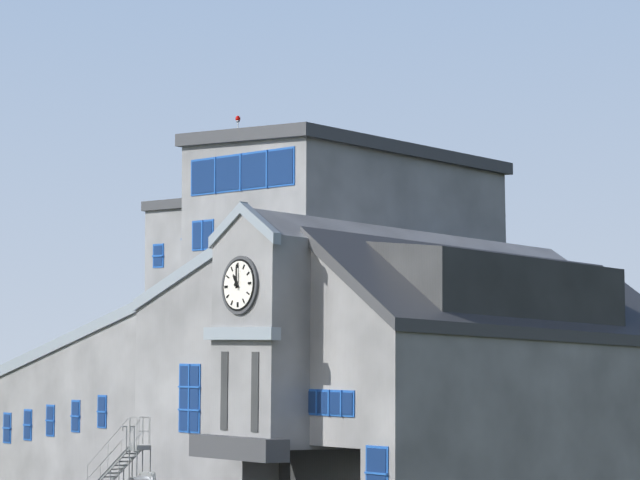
11,00
